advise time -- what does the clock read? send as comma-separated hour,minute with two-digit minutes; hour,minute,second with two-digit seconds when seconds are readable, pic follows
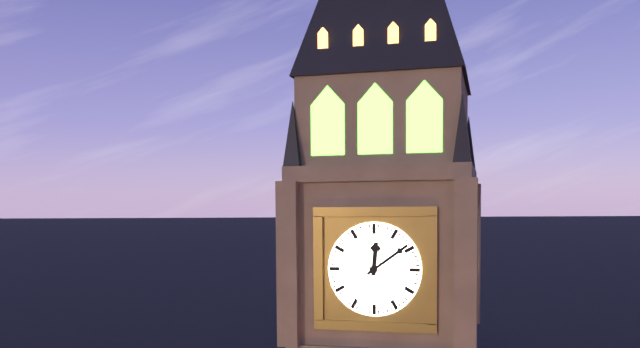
12,09
